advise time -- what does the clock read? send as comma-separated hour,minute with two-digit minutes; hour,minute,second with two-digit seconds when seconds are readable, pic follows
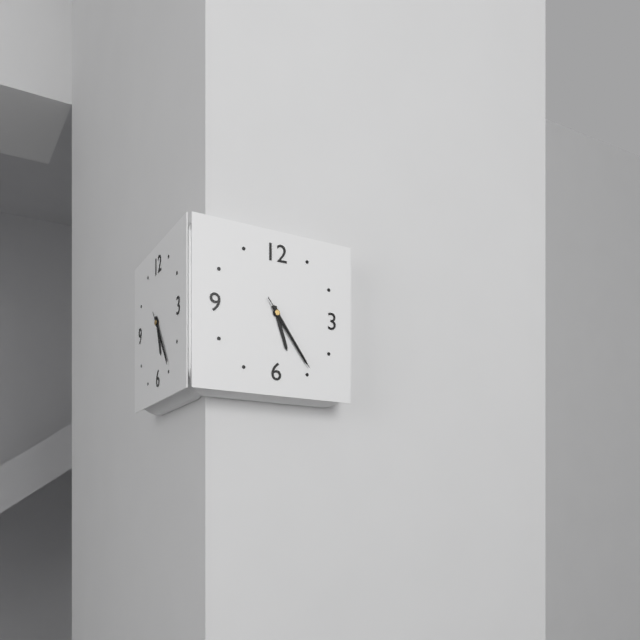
5,24,24
